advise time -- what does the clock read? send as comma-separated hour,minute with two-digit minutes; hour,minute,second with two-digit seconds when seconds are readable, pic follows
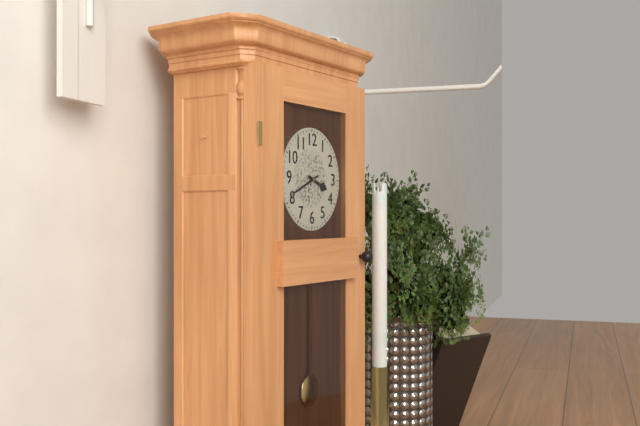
3,41
